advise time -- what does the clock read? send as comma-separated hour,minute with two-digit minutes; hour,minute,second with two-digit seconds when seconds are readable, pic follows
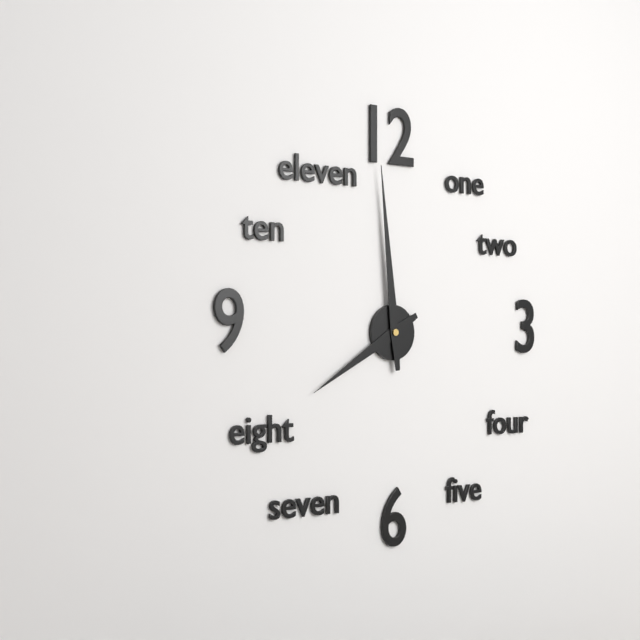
7,59
